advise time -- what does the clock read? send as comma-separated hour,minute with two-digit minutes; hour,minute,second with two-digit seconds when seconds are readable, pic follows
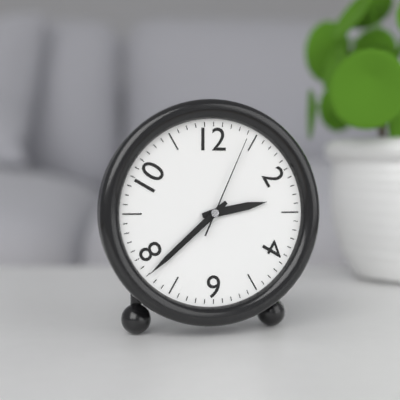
2,38,04
